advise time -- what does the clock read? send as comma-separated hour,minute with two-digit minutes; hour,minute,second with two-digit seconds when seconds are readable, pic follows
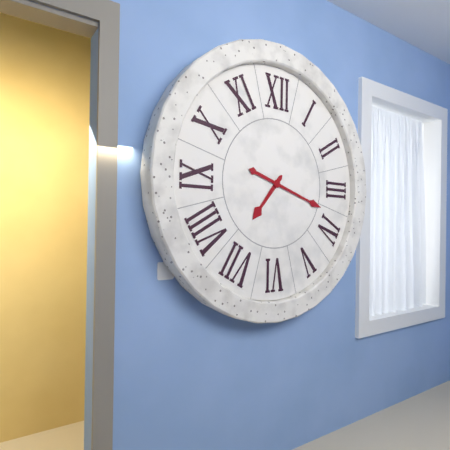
7,18
